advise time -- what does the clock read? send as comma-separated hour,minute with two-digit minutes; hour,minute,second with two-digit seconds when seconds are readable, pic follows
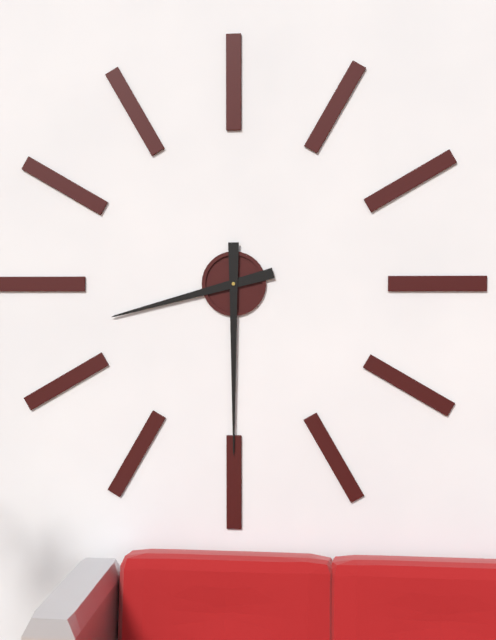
8,30
